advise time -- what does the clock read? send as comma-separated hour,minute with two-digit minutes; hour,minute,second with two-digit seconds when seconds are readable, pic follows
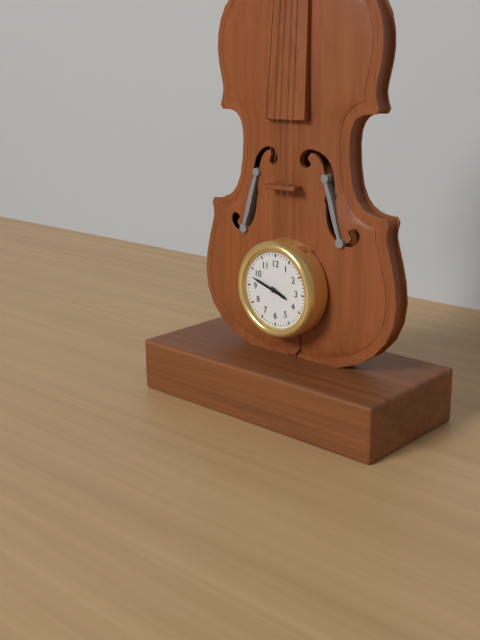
3,48
